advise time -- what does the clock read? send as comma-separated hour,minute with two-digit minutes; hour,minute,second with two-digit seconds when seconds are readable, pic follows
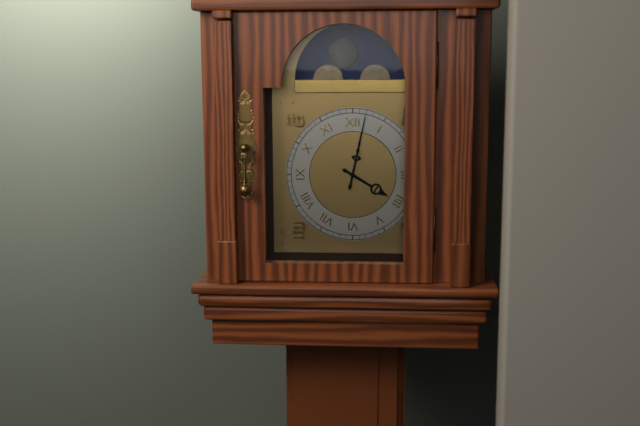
4,02
